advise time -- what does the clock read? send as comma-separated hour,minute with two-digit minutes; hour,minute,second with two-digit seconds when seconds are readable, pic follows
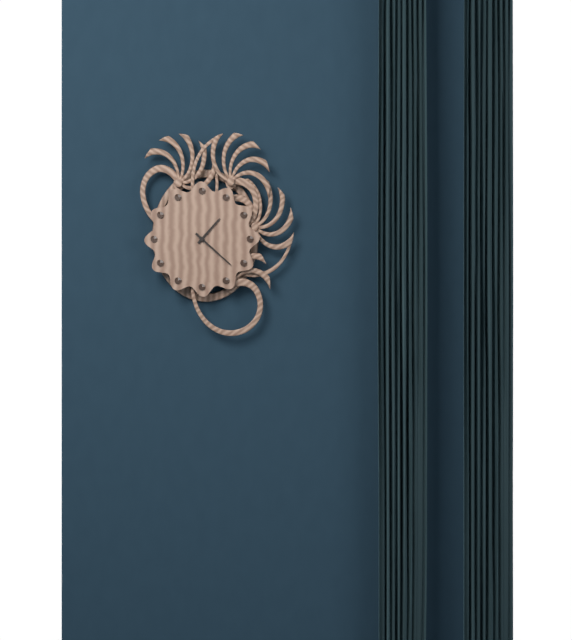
1,22
